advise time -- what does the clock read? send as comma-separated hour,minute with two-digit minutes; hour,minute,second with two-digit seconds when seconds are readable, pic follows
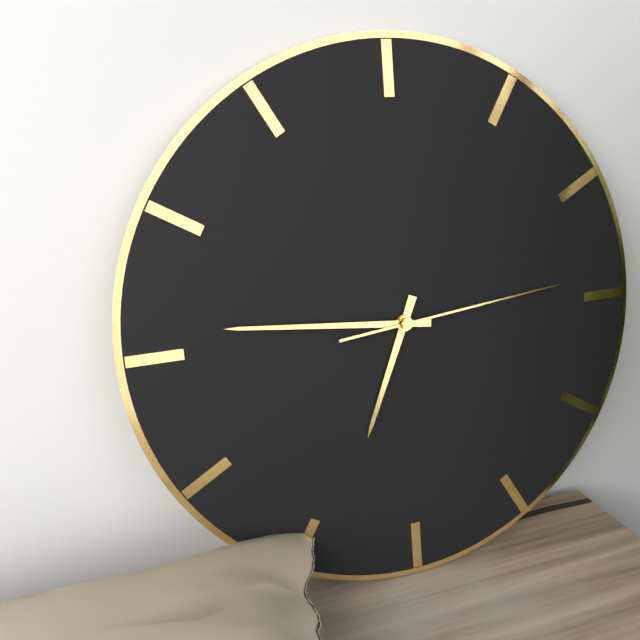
6,46,14
